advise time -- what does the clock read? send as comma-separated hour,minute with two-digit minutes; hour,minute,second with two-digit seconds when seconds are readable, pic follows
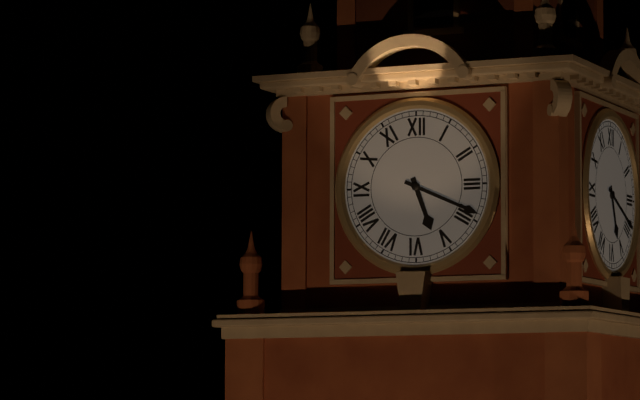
5,19
